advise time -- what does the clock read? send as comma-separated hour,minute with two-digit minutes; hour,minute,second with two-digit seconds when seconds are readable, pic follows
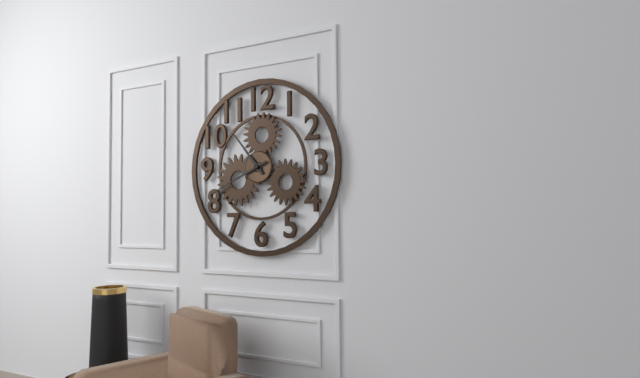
10,41
